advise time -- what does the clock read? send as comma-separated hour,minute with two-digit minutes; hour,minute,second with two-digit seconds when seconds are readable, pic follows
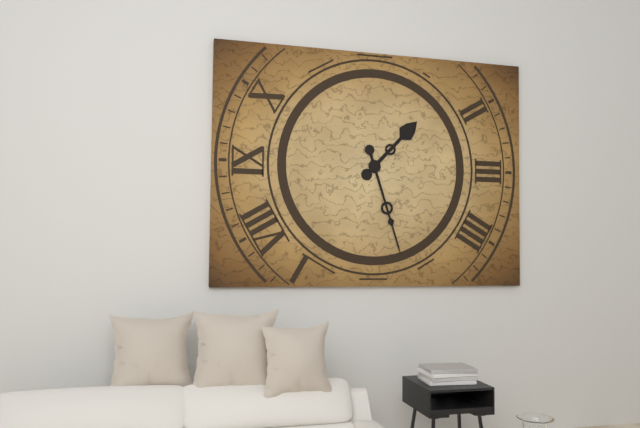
1,27
